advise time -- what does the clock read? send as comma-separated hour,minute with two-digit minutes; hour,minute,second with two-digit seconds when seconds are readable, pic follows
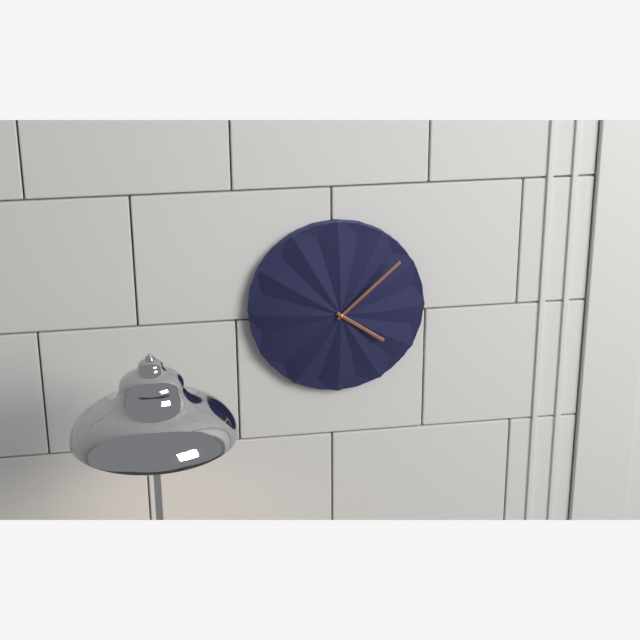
4,08
